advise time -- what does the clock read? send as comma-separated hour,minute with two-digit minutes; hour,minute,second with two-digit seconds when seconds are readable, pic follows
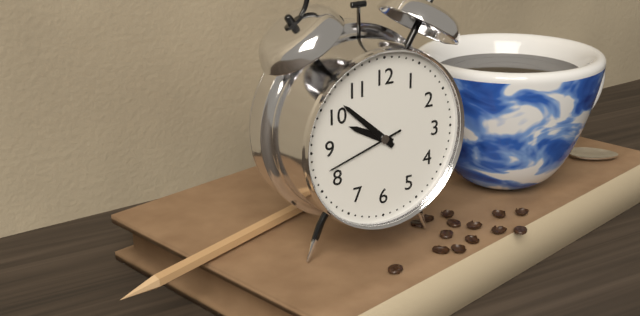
9,52,42
